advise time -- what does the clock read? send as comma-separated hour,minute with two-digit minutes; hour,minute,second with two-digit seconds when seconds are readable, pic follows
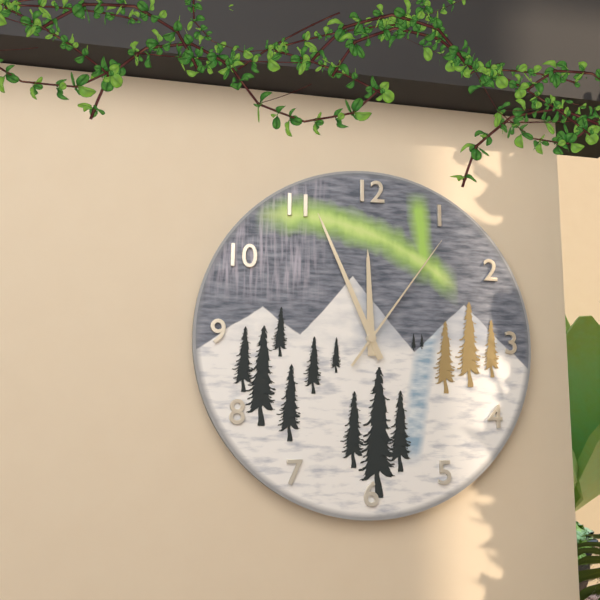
11,56,06
